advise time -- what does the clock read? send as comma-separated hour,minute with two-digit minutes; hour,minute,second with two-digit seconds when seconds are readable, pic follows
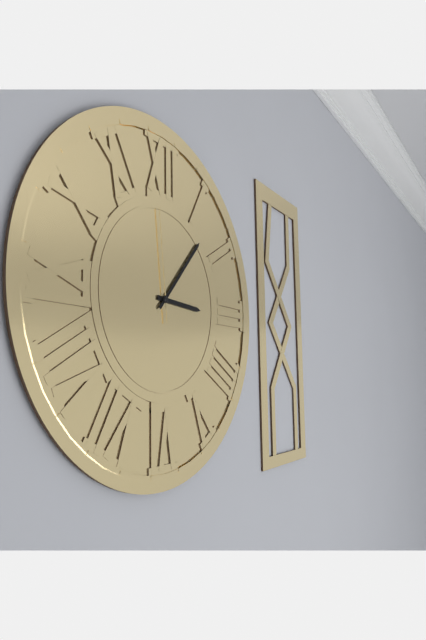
3,07,59
